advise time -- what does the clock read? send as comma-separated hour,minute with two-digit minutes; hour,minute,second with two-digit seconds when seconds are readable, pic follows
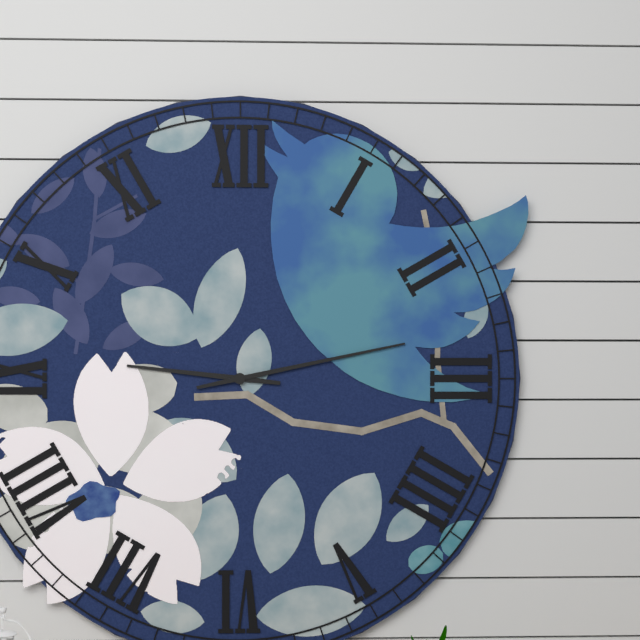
9,13
